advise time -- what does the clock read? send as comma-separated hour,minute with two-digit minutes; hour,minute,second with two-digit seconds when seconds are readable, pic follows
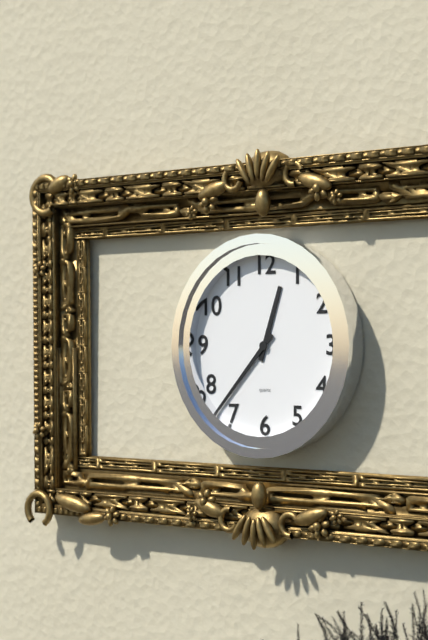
12,37
